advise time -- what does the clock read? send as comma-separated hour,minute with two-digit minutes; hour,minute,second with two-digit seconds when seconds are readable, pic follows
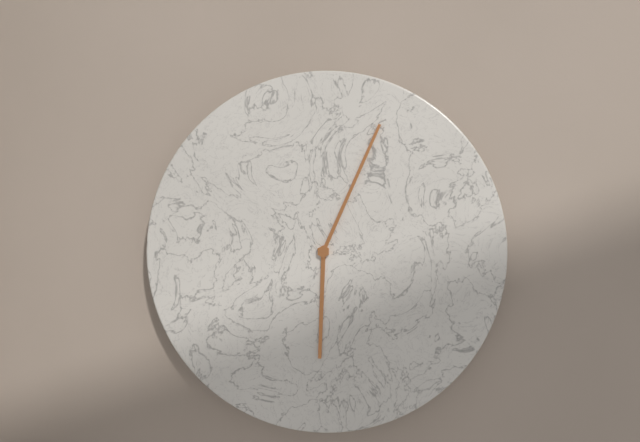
6,04
